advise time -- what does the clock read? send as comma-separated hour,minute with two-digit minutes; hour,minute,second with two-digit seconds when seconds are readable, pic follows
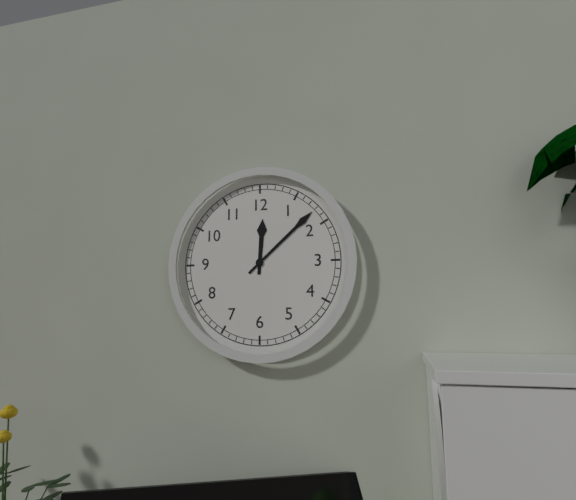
12,08
